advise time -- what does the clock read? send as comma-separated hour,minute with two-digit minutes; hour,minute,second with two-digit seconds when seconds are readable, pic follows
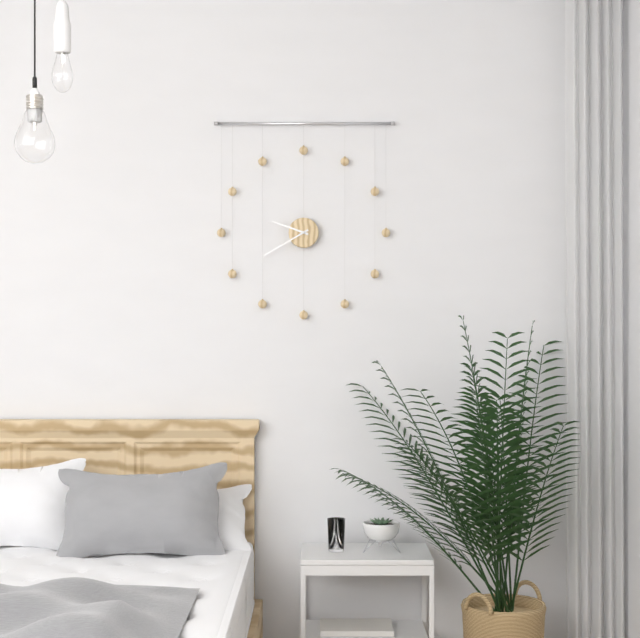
9,40
